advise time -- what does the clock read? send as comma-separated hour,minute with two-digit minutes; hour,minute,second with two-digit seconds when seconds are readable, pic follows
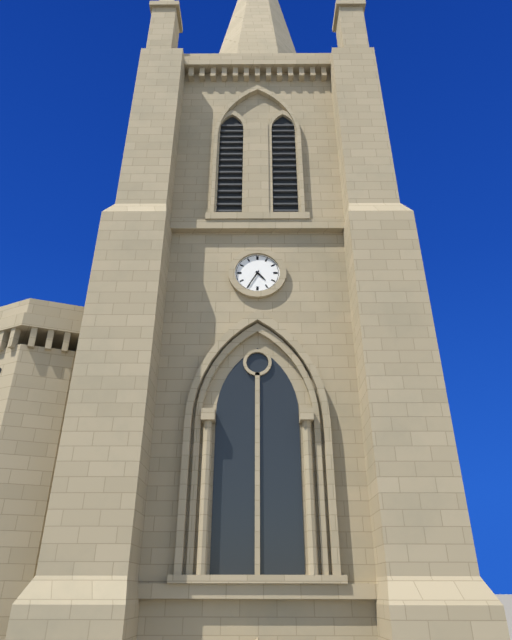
4,35
